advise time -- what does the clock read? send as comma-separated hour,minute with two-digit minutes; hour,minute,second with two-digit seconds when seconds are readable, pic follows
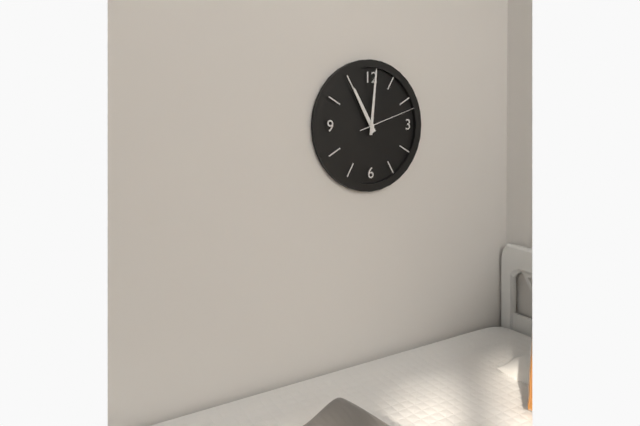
11,01,12
